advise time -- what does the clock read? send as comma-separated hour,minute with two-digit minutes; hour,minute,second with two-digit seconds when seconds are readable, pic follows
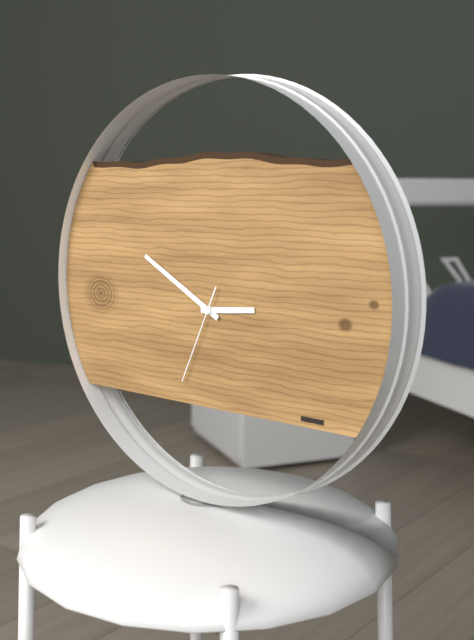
2,50,34
